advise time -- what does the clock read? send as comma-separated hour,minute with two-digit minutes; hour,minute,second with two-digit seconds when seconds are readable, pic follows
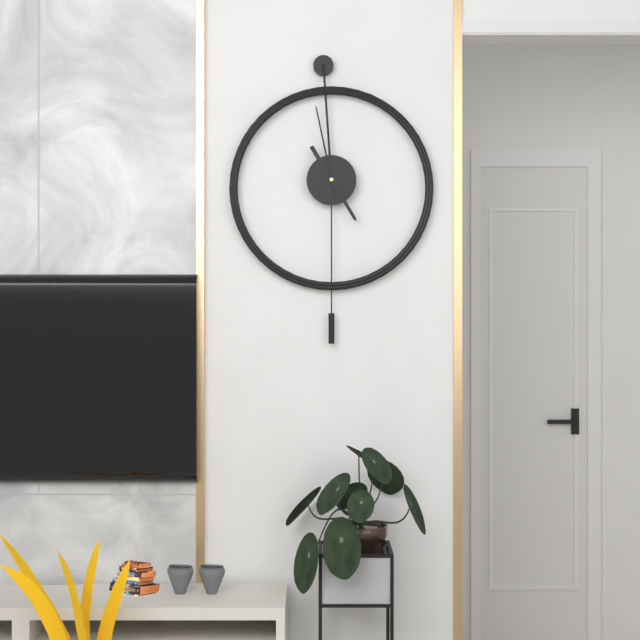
4,58
